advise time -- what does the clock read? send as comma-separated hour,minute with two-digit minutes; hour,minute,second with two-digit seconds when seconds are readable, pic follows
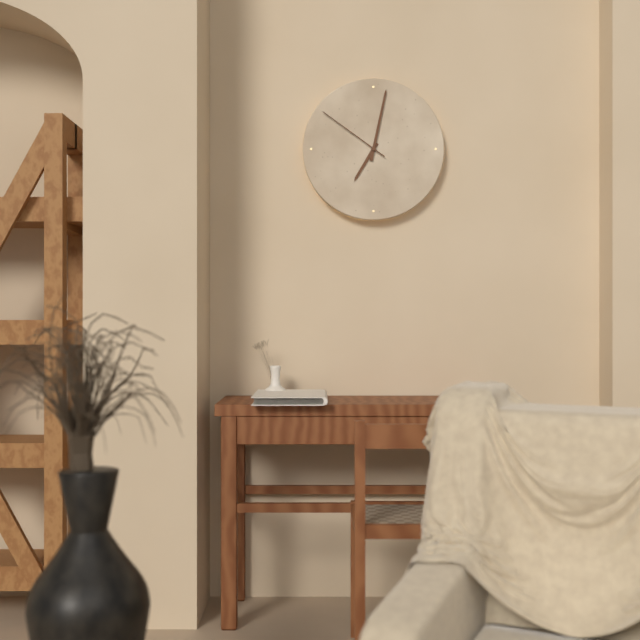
7,02,51
